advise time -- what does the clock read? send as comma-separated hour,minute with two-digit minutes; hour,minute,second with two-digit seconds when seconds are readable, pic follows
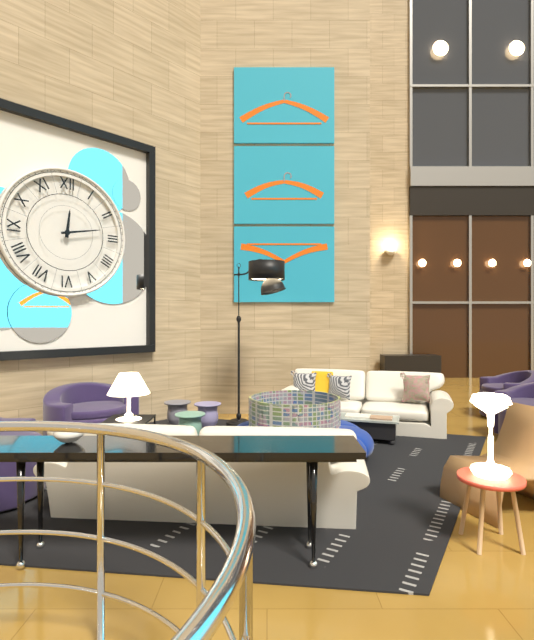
12,13
